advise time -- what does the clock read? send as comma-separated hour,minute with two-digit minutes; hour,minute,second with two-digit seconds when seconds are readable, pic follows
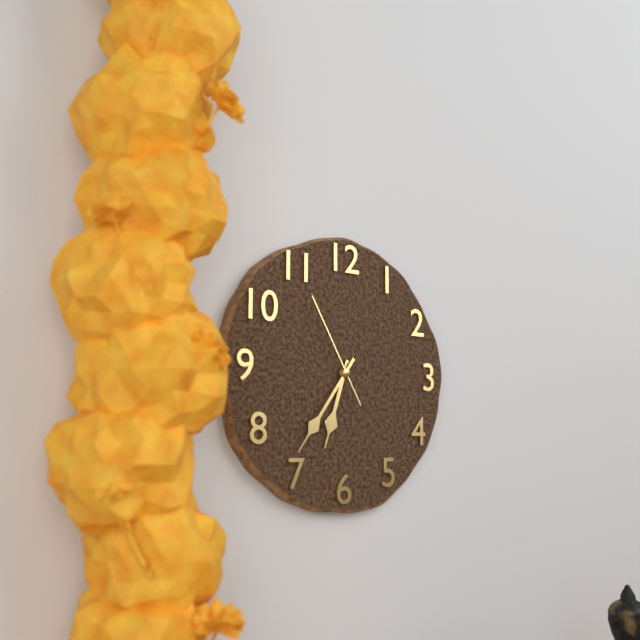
6,36,55
